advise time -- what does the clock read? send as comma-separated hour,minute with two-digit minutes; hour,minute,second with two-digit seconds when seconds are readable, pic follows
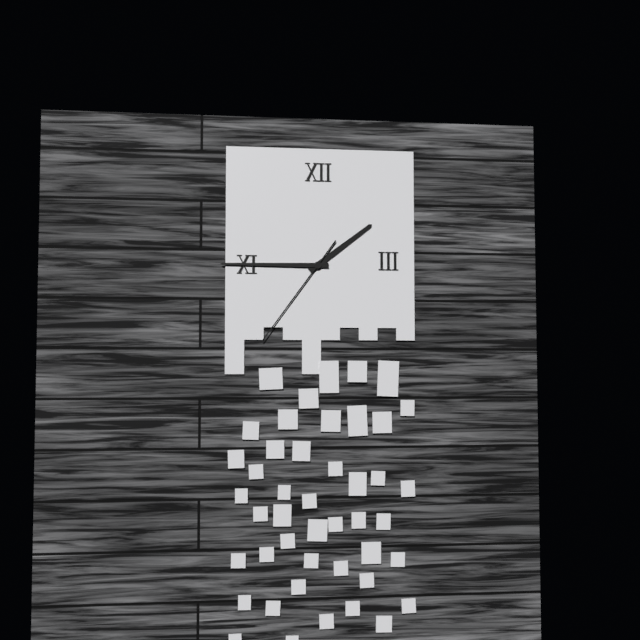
1,45,36
